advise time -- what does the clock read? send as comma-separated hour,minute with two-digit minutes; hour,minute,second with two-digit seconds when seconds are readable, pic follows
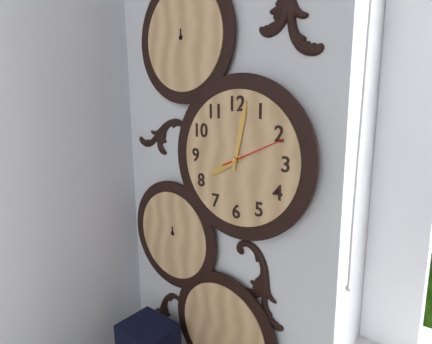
8,02,11
